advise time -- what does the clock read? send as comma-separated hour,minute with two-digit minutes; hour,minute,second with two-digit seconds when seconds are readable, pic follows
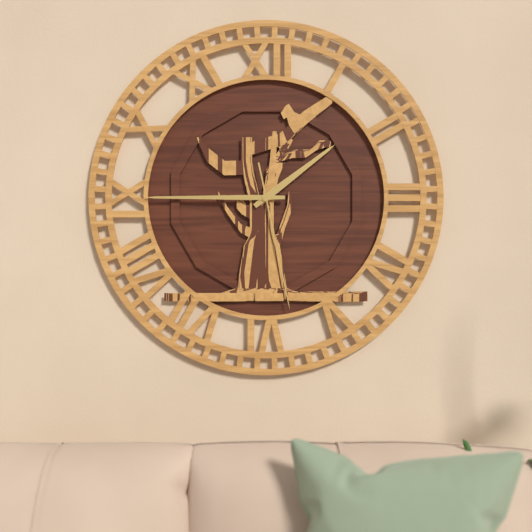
1,45,28
